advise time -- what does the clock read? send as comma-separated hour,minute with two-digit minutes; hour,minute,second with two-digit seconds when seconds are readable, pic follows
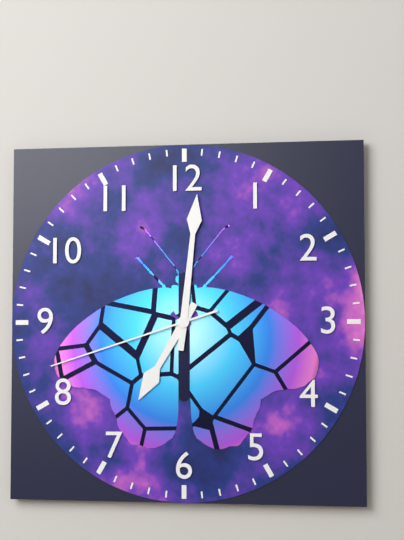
7,01,42
